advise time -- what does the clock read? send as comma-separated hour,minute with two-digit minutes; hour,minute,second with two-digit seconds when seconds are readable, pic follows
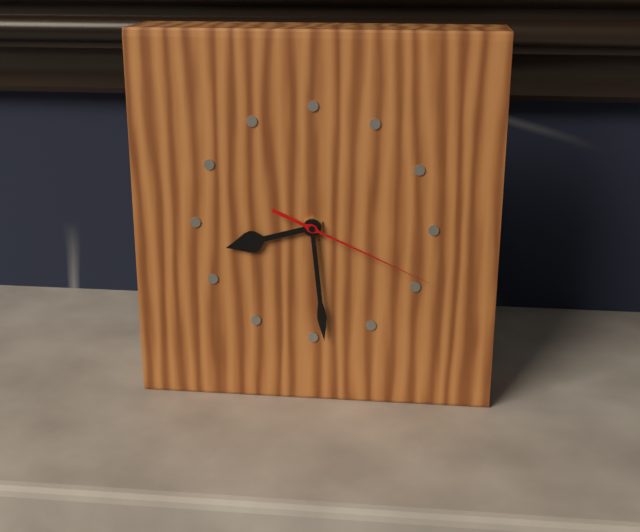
8,29,19
